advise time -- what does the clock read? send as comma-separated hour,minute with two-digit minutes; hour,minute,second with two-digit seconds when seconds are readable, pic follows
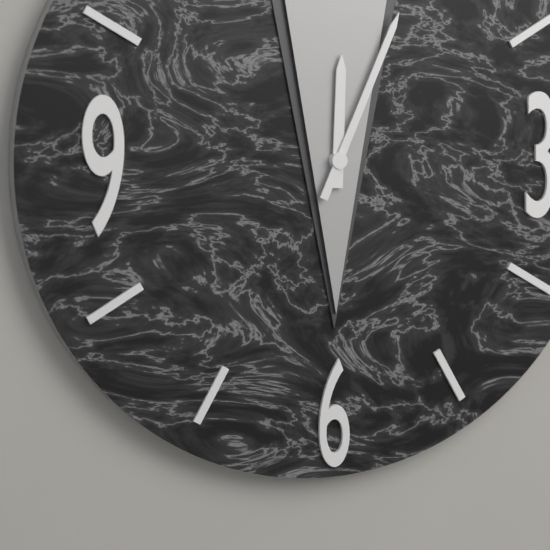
12,04
